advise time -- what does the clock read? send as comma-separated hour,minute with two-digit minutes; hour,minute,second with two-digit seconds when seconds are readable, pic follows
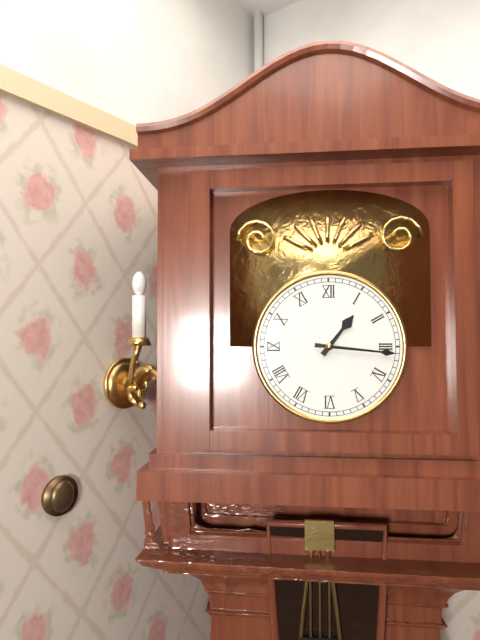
1,16
